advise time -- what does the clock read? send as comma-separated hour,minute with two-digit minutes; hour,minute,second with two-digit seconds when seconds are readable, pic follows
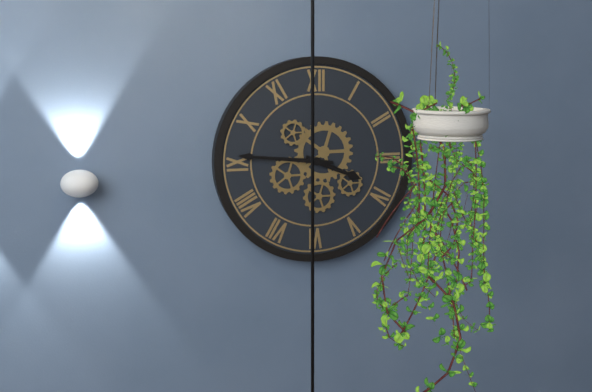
3,46
